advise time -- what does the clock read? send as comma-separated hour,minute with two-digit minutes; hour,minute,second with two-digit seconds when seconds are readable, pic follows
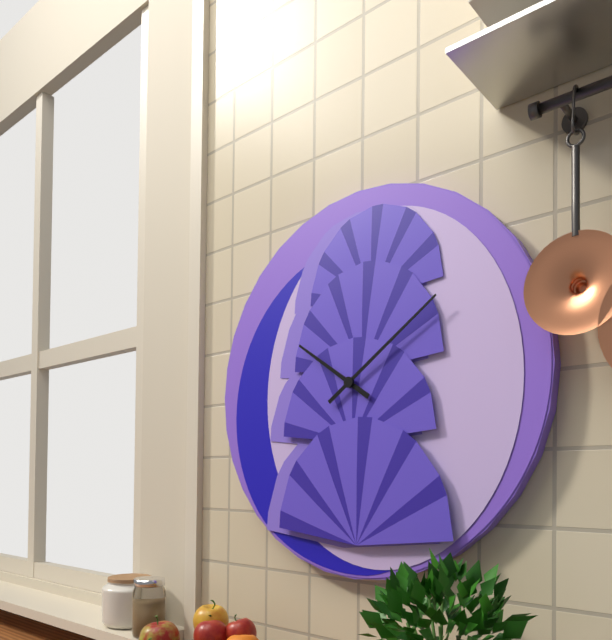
10,09
